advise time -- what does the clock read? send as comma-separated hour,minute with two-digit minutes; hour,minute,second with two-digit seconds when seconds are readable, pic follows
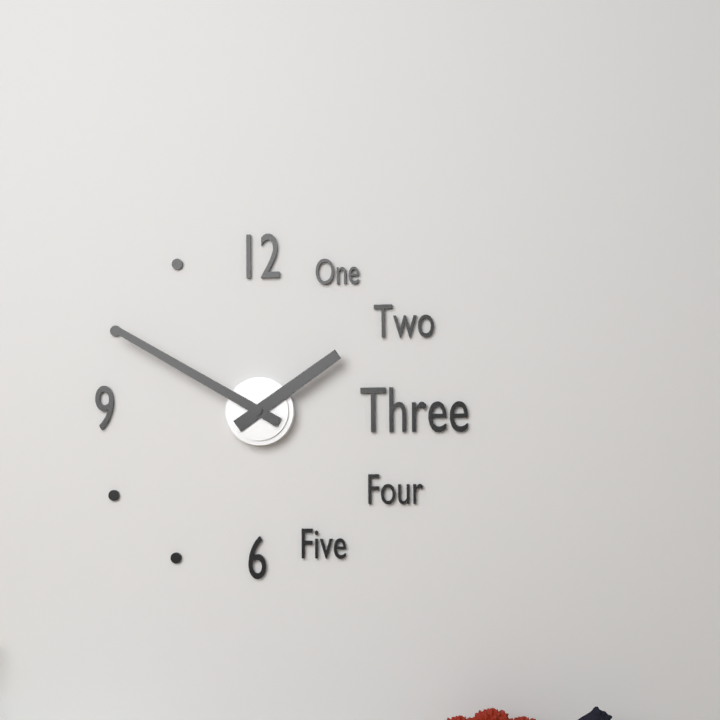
1,50
